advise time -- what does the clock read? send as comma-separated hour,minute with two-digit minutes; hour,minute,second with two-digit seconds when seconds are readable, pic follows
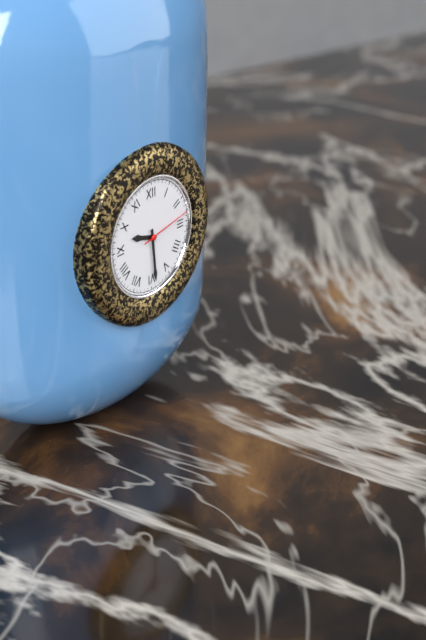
9,29,13
